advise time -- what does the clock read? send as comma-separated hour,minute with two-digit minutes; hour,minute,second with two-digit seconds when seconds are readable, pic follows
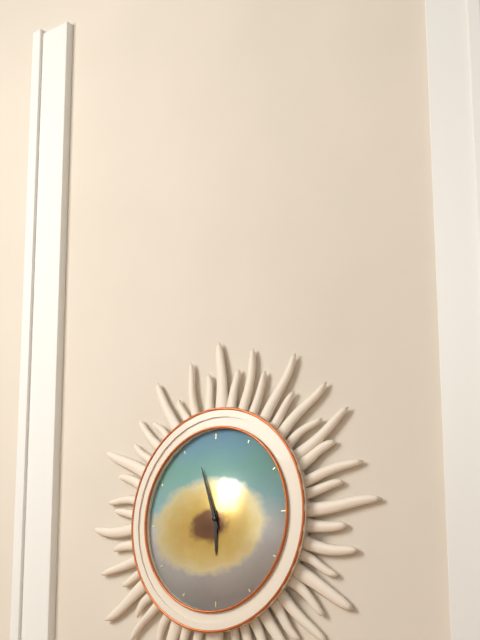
5,57
